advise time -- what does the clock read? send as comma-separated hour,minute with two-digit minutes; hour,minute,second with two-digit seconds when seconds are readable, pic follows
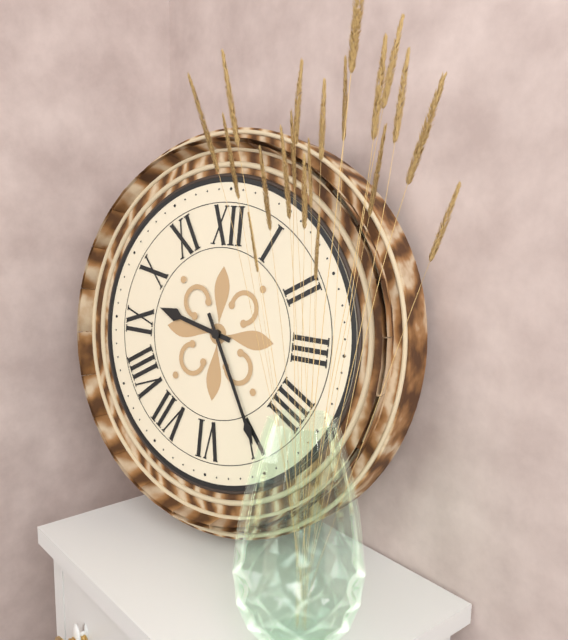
9,25
